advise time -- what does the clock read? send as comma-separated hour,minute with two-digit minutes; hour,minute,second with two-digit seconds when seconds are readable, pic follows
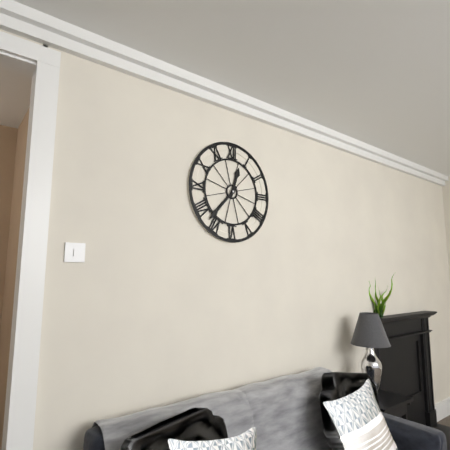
12,37
